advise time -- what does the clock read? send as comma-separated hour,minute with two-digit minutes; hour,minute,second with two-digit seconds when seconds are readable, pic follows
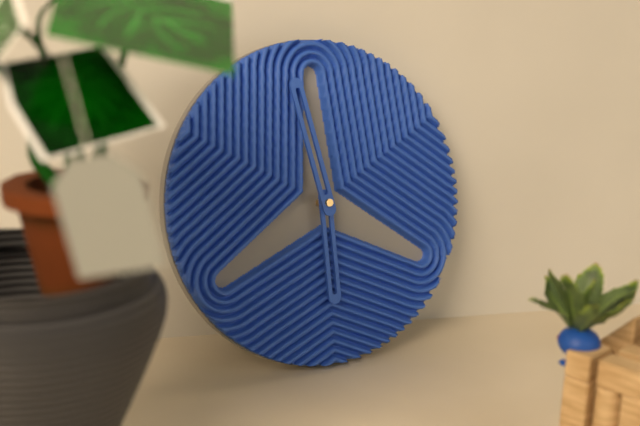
5,58
